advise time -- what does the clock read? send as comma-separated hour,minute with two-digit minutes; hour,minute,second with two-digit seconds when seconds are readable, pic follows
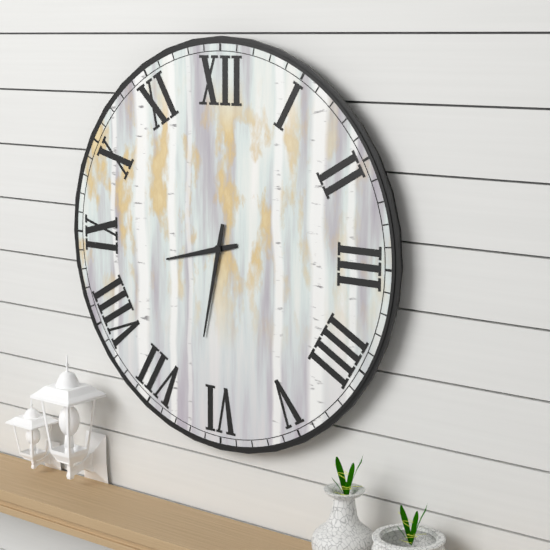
8,32
